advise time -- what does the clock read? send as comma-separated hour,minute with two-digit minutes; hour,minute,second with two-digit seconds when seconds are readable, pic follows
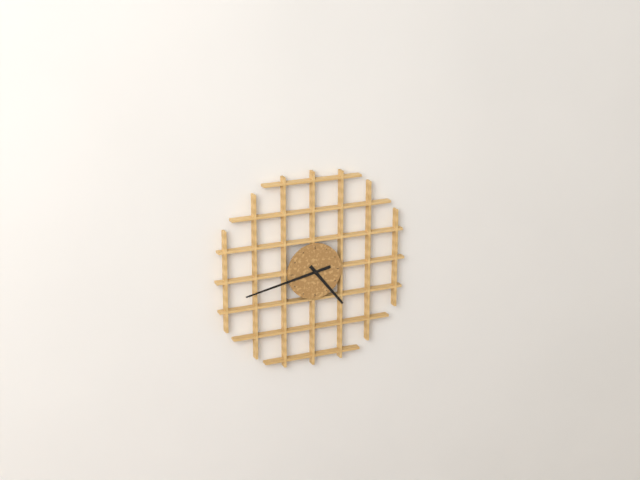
4,43
